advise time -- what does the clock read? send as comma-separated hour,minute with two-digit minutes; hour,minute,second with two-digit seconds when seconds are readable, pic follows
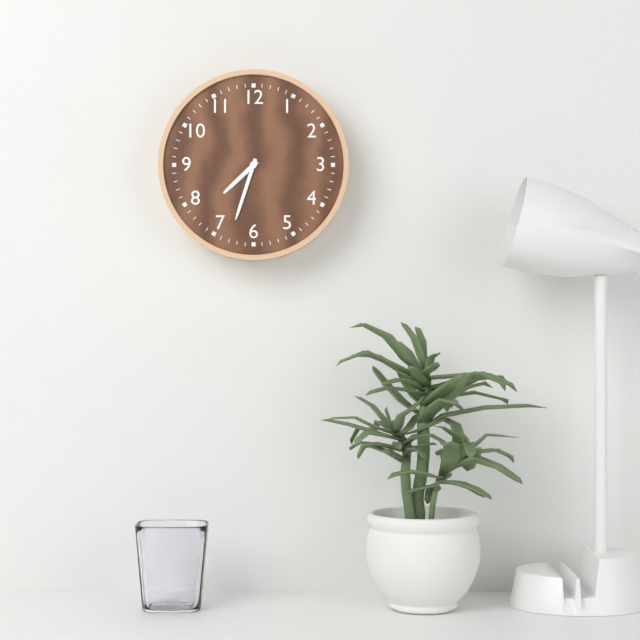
7,33
